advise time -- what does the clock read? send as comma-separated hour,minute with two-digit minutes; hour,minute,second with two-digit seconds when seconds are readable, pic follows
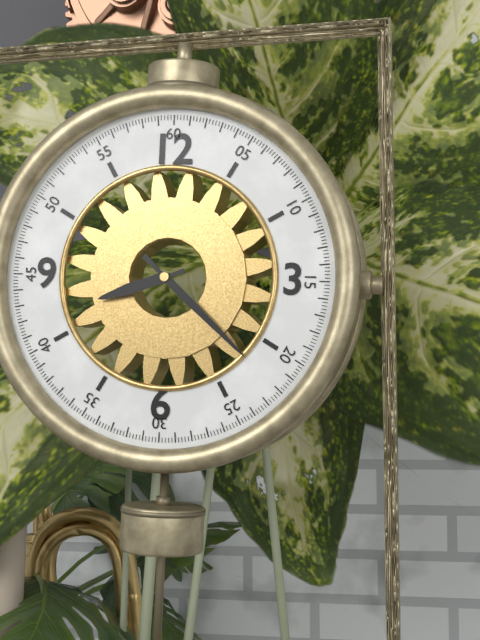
8,22
